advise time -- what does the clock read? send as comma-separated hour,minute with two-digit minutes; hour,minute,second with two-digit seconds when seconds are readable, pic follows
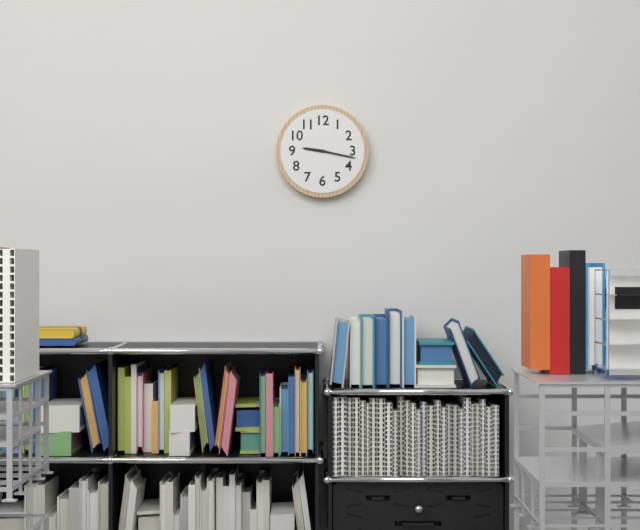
9,17
